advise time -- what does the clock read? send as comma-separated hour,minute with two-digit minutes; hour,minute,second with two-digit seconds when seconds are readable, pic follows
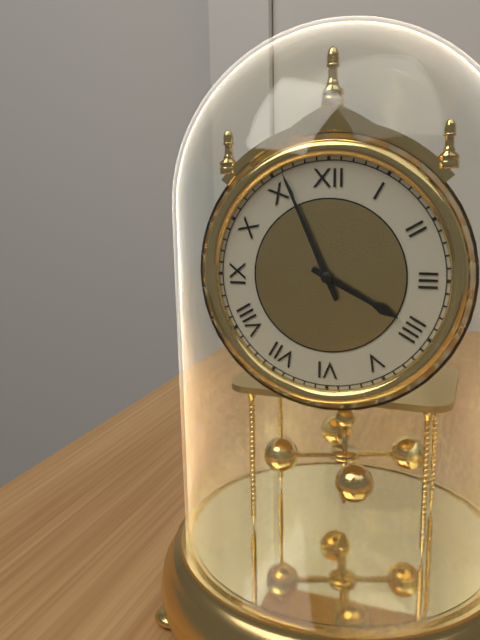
3,56
